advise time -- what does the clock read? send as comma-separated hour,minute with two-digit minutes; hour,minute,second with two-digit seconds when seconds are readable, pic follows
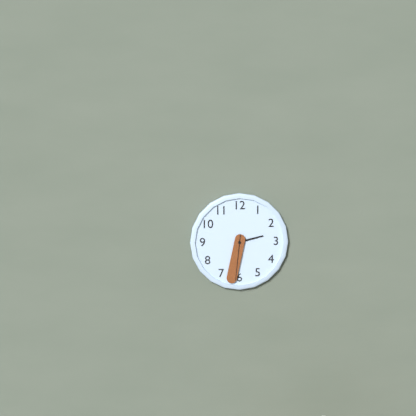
2,32
